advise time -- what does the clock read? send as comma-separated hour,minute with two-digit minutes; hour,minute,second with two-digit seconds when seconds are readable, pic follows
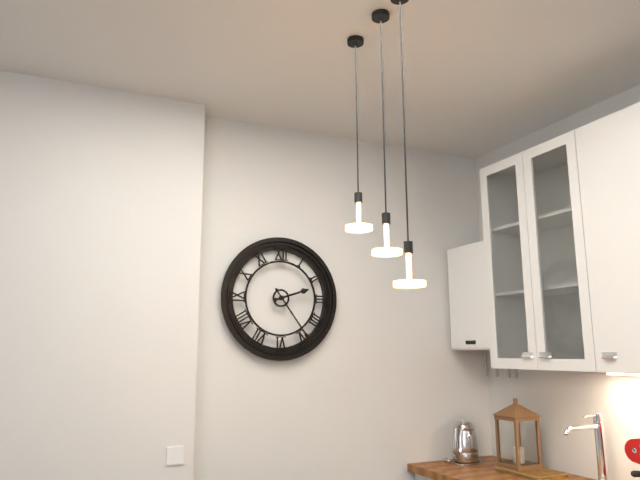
2,24
